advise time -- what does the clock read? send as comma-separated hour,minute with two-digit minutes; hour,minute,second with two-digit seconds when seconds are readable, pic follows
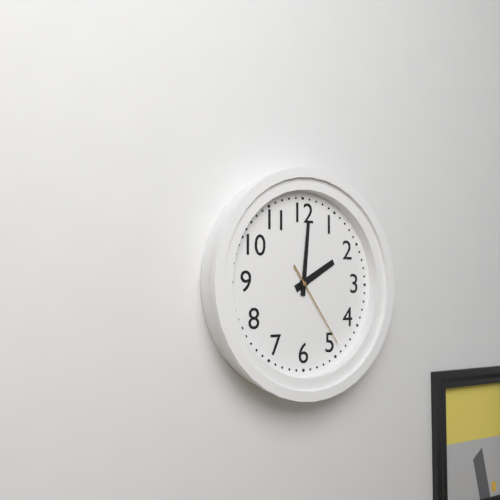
2,01,24
